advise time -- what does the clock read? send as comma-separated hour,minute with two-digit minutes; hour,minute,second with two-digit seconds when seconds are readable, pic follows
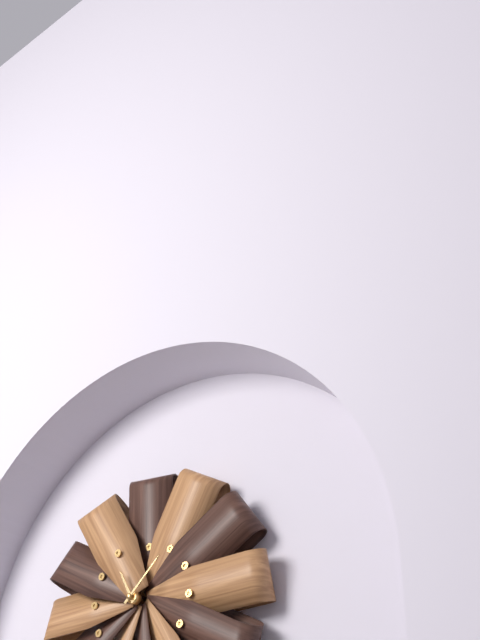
11,08
